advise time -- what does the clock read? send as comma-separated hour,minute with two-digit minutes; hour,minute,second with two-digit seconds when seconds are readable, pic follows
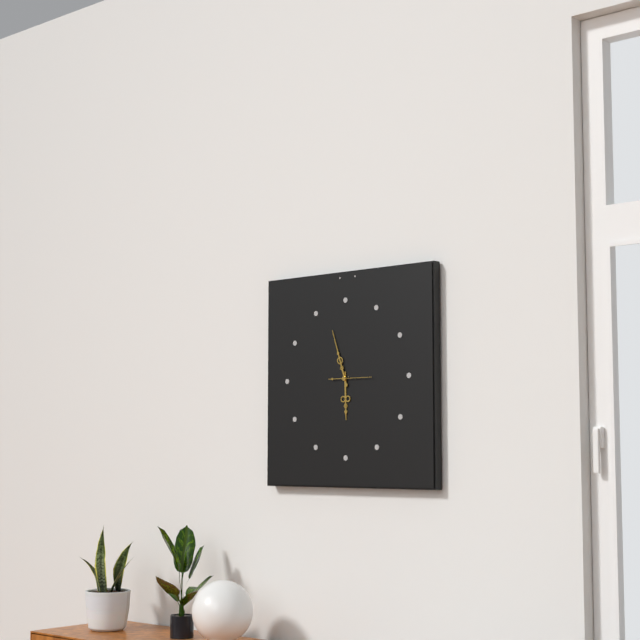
5,57
